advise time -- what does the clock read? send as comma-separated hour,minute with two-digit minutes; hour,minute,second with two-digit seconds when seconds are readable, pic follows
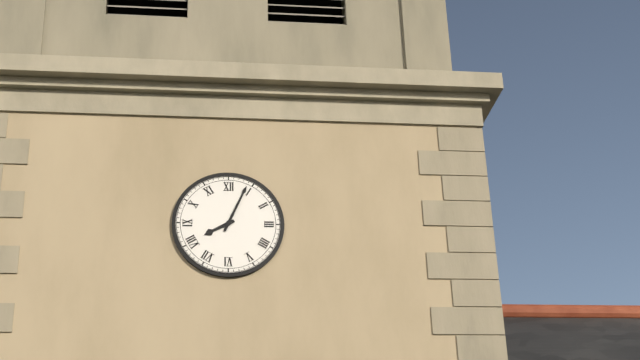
8,04
